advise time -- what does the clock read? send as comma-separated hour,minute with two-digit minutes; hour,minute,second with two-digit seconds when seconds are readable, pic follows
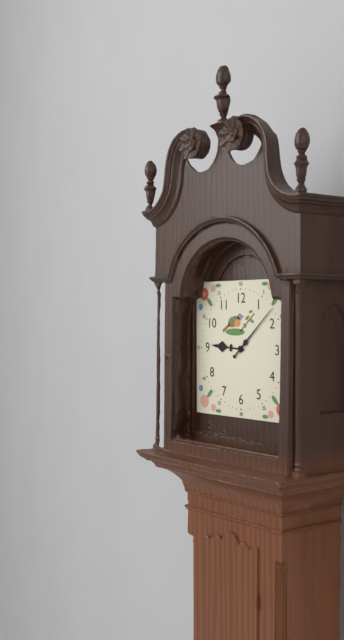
9,08
